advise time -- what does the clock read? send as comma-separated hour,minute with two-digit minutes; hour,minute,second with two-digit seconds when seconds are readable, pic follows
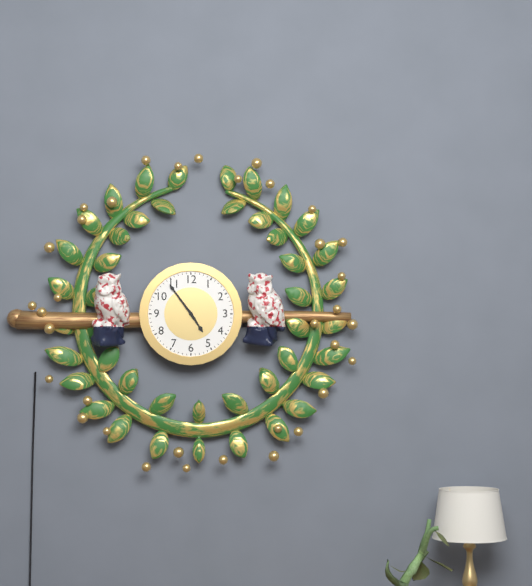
4,54
